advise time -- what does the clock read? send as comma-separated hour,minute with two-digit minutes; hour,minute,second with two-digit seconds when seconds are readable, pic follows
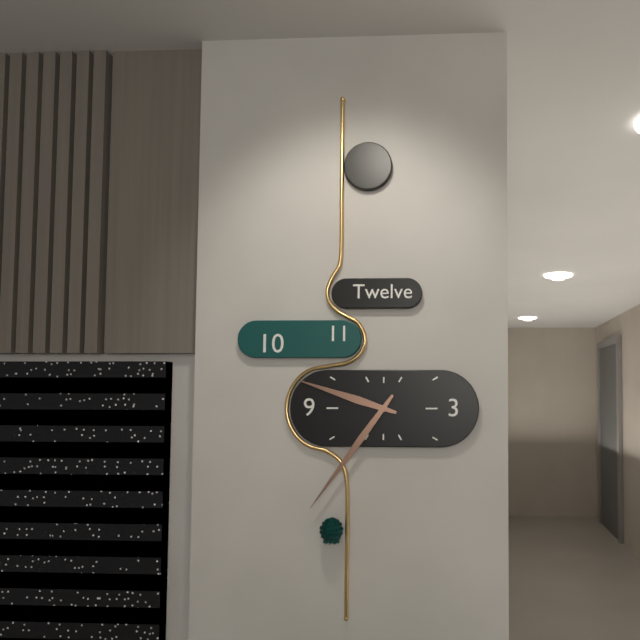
9,36
